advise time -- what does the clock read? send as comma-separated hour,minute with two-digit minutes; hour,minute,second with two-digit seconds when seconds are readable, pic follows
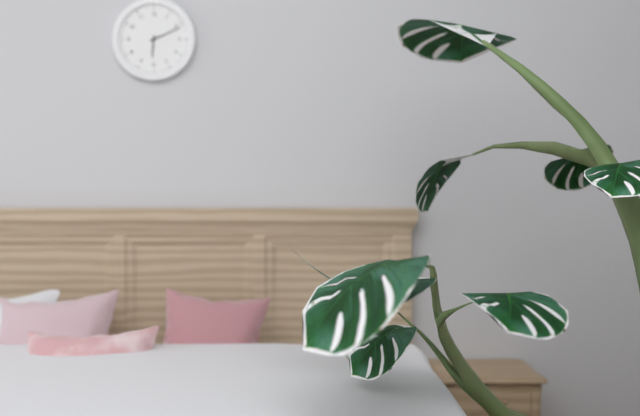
6,11
